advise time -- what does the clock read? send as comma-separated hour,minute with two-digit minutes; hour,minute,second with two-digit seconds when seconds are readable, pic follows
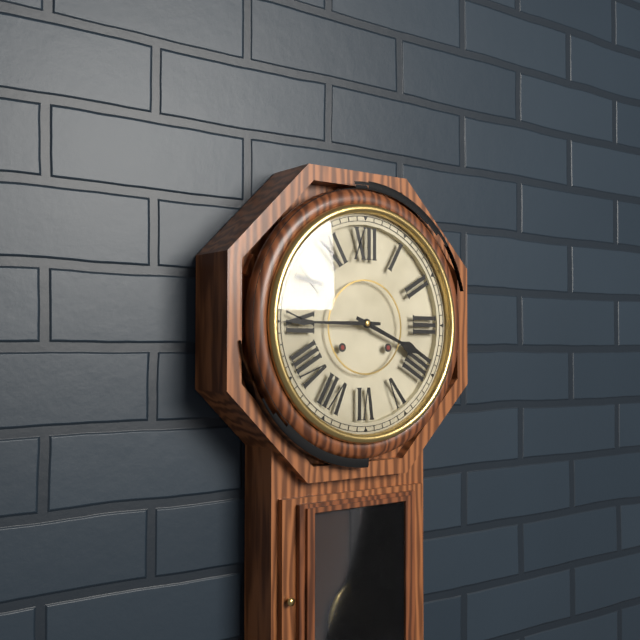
3,45
